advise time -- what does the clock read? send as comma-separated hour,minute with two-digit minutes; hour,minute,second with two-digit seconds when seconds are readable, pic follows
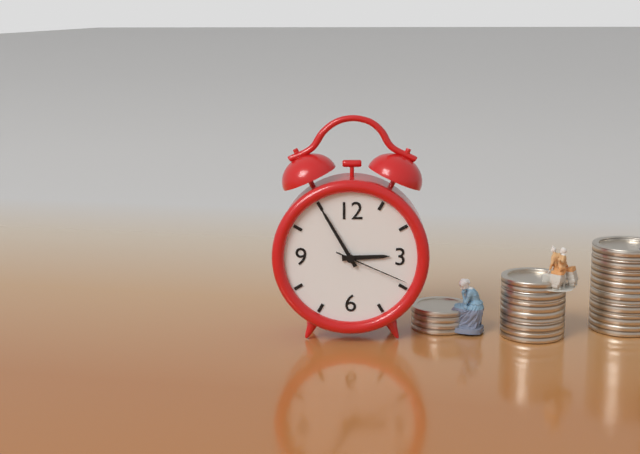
2,55,19
